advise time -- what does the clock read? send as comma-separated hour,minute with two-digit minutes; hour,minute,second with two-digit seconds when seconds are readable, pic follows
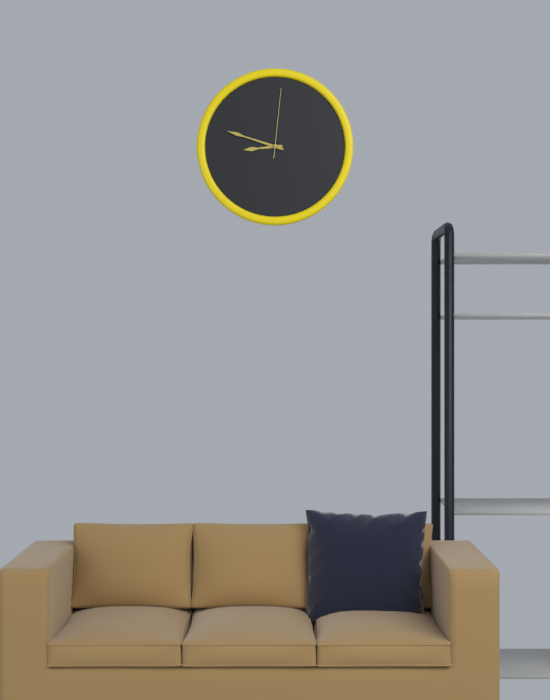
8,48,01
